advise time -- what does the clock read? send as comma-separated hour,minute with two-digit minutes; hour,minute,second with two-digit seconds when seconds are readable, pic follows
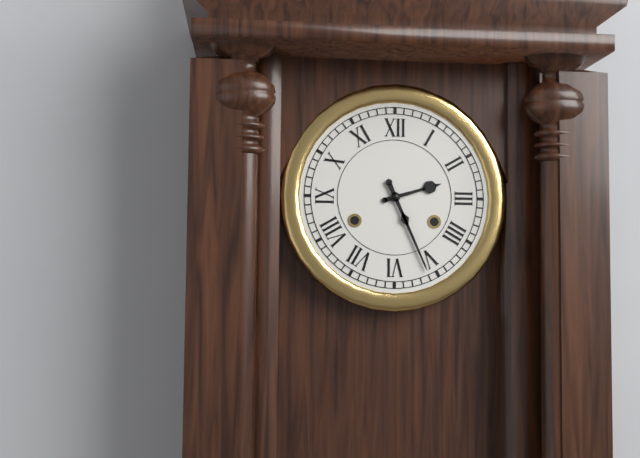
2,26
